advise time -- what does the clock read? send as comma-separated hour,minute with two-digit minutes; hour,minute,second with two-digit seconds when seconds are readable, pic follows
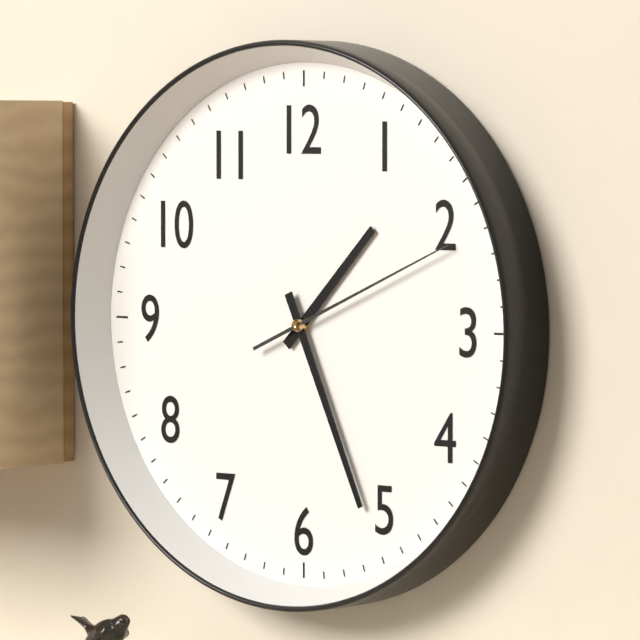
1,26,11
